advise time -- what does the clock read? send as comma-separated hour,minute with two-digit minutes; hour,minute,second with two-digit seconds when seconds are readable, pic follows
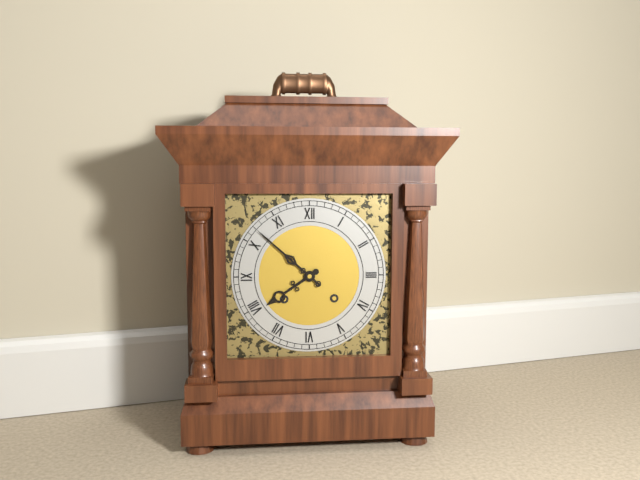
7,52
